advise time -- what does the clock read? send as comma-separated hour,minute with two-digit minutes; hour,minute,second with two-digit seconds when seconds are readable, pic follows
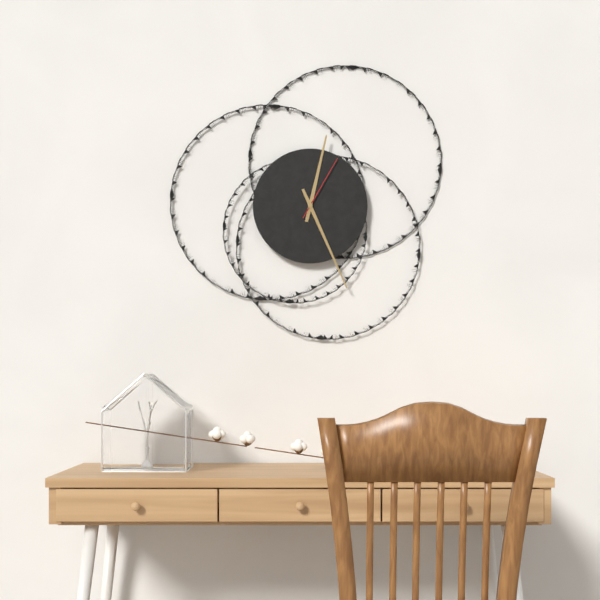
12,26,05
